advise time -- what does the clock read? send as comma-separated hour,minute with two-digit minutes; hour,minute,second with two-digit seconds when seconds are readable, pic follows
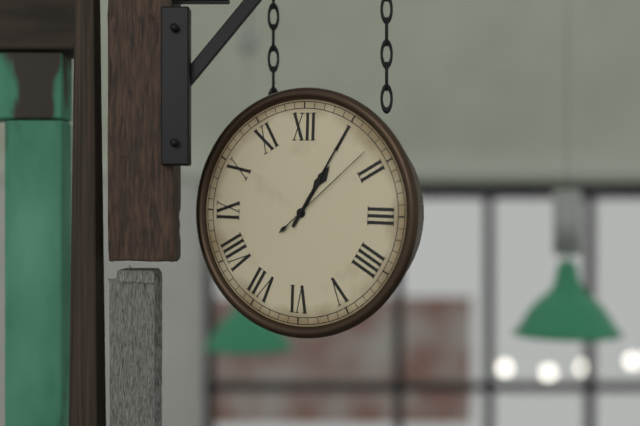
1,05,08
